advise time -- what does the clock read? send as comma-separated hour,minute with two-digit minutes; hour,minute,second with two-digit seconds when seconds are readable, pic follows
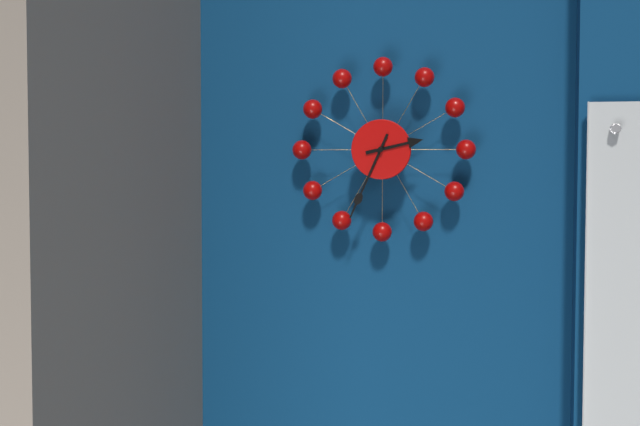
2,34
